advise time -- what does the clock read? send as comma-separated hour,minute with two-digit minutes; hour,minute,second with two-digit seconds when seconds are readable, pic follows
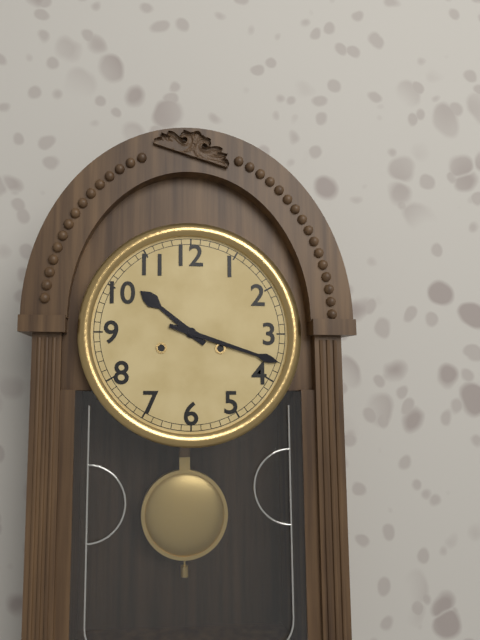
10,18
